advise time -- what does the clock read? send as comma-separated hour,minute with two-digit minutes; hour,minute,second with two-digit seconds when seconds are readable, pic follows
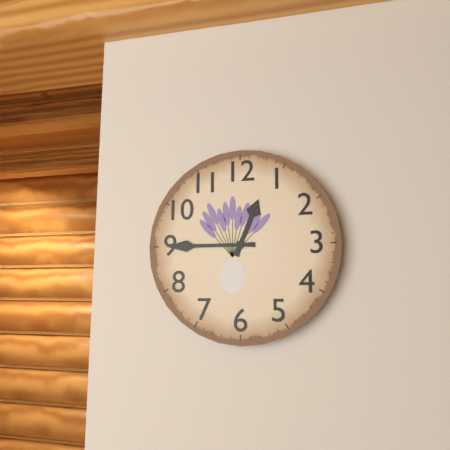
12,45
